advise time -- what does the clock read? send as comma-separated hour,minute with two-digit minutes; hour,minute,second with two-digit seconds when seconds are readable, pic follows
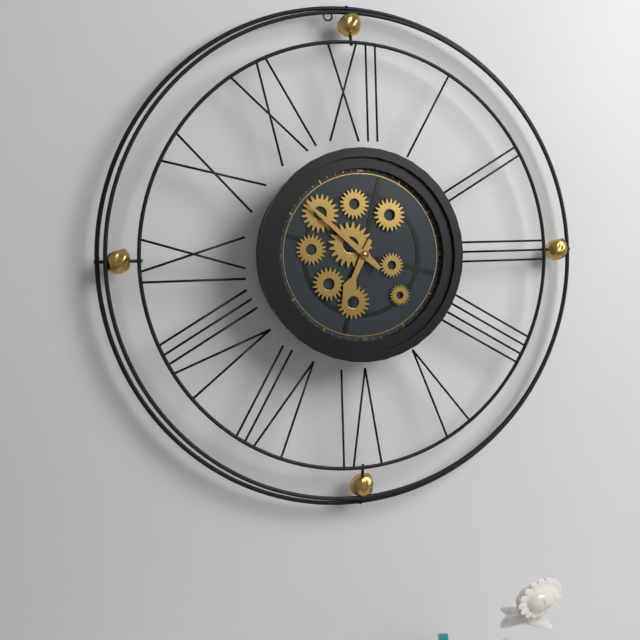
6,52
